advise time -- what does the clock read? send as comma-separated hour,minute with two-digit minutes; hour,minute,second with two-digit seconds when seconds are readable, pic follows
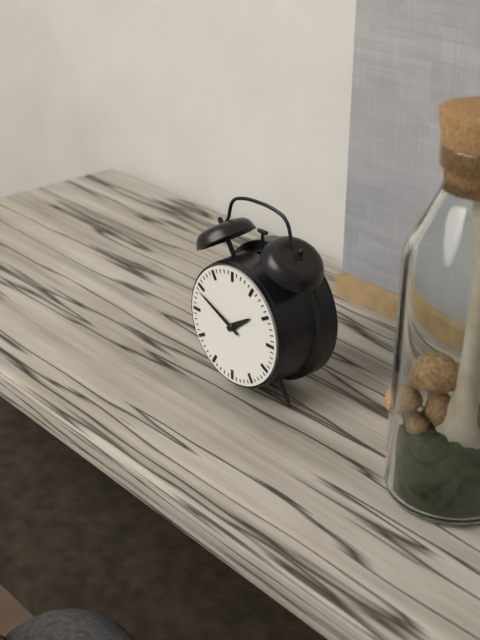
1,49
